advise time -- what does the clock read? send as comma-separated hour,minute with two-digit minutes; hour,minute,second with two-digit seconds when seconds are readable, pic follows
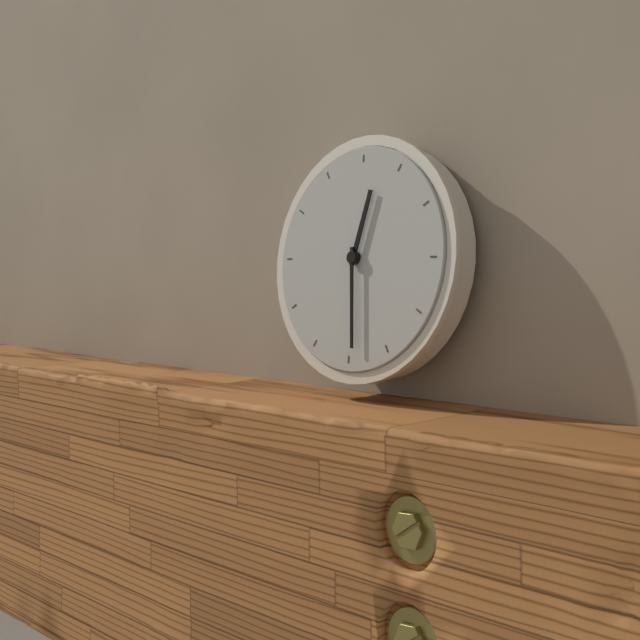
12,29
